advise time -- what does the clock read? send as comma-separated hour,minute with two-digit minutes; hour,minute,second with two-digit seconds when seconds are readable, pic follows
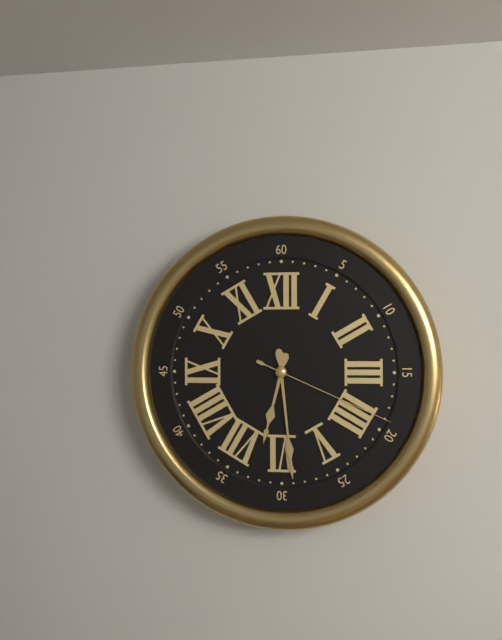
6,29,19
